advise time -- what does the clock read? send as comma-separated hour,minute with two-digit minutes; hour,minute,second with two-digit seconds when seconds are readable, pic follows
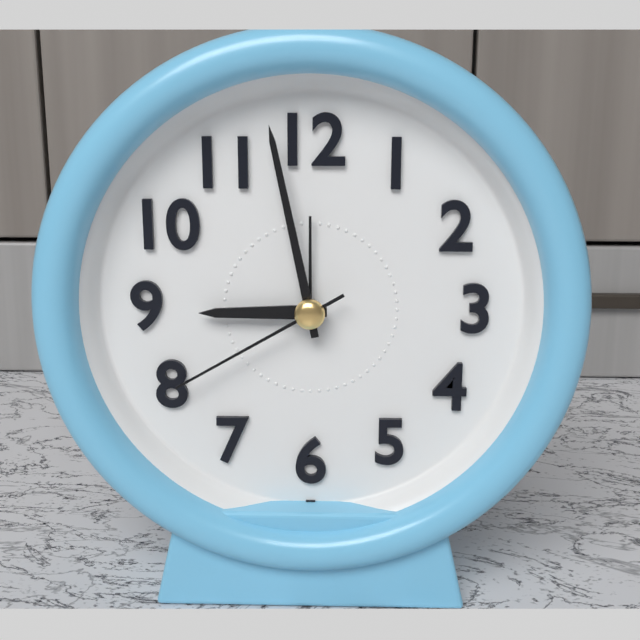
8,58,40
